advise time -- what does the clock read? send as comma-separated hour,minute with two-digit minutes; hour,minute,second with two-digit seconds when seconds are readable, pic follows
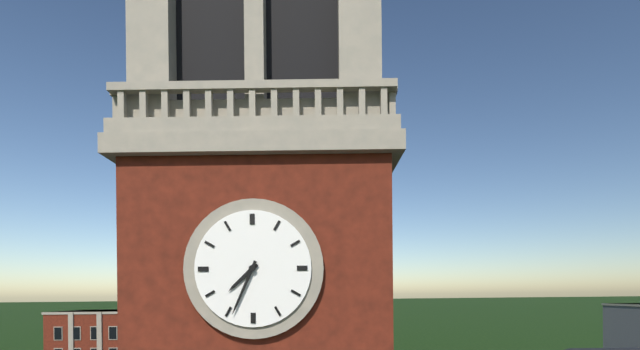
7,34
